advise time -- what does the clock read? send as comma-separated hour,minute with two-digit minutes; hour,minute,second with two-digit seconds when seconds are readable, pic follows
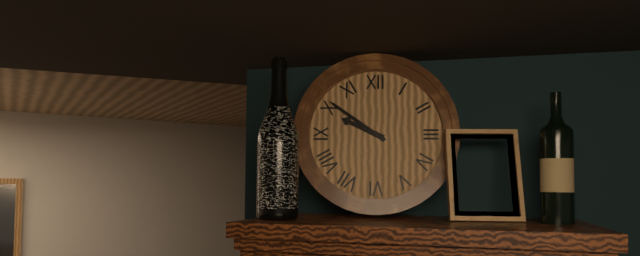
9,51
